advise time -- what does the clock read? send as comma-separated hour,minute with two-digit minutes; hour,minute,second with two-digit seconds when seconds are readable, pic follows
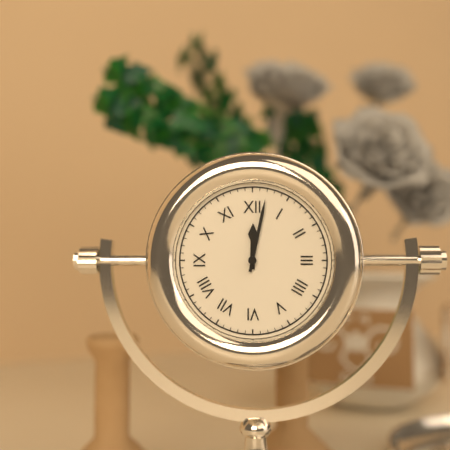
12,02
